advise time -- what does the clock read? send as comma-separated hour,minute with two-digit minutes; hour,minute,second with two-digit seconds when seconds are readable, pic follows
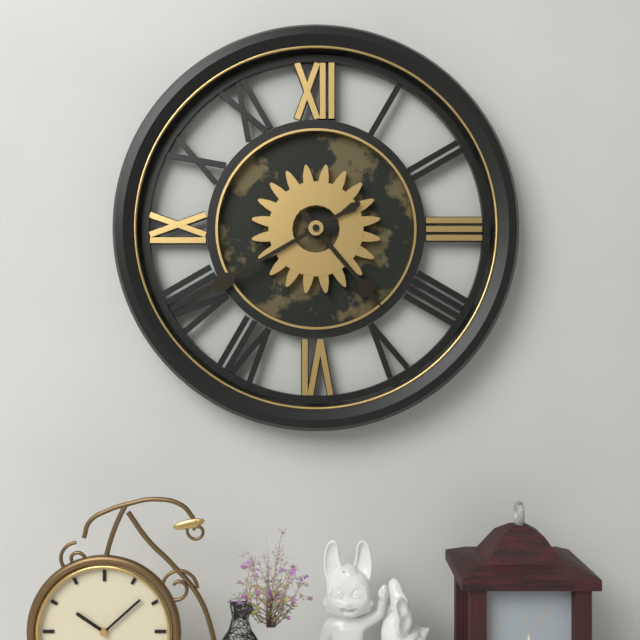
4,40
